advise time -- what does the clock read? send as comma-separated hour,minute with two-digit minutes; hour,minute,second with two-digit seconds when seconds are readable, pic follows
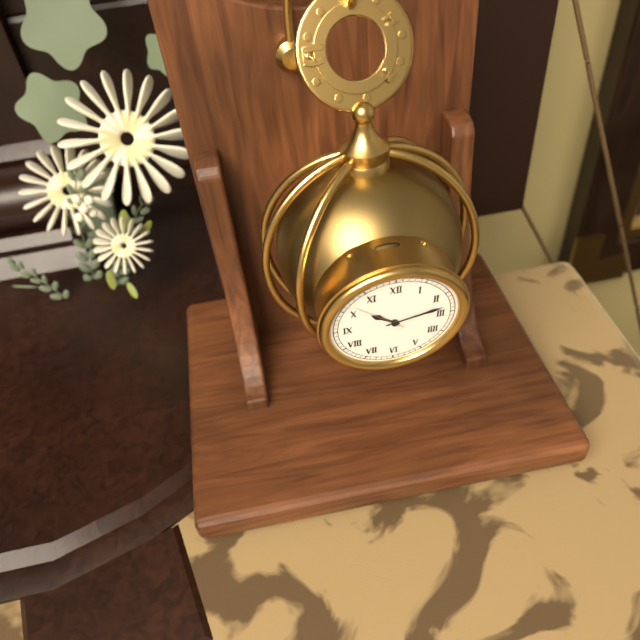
10,13,52
